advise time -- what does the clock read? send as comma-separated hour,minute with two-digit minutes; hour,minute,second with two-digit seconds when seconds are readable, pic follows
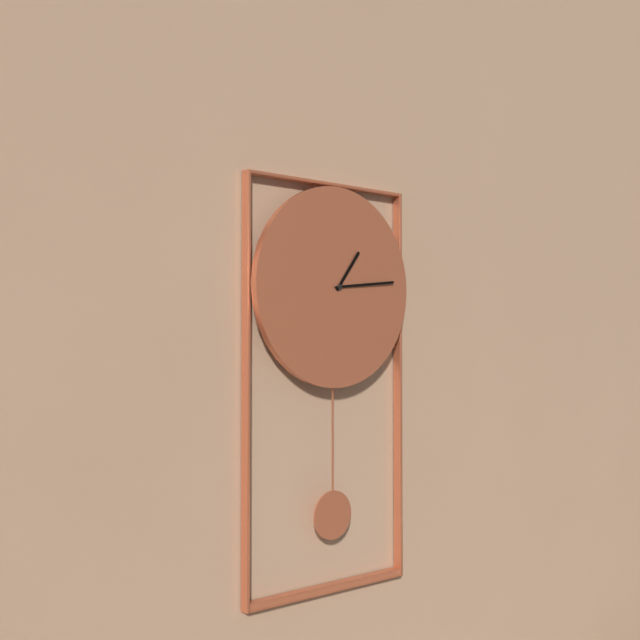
1,14
